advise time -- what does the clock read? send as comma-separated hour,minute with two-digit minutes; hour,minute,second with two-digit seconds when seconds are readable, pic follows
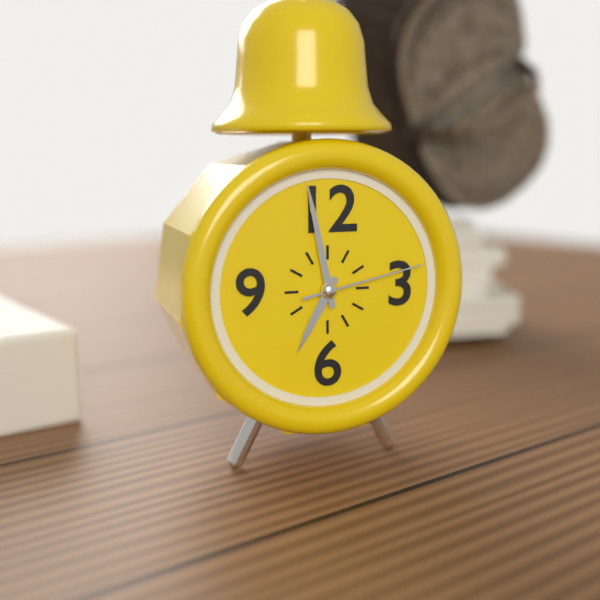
6,58,13
